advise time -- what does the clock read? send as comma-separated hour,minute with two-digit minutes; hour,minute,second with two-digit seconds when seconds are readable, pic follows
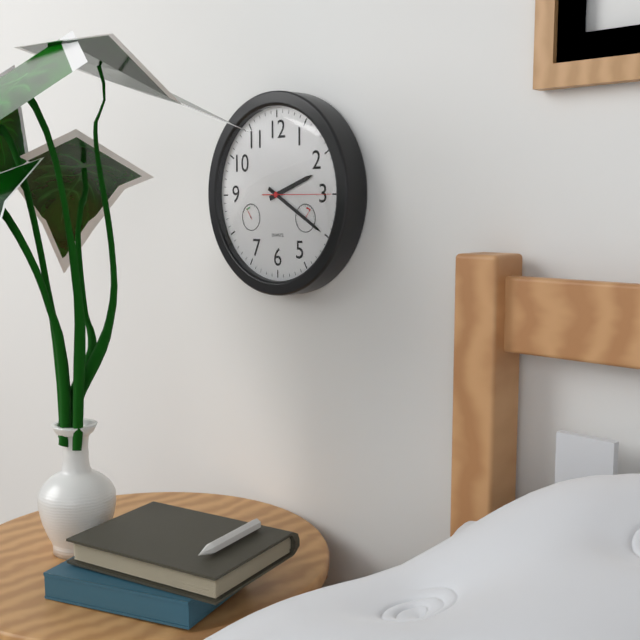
2,20
